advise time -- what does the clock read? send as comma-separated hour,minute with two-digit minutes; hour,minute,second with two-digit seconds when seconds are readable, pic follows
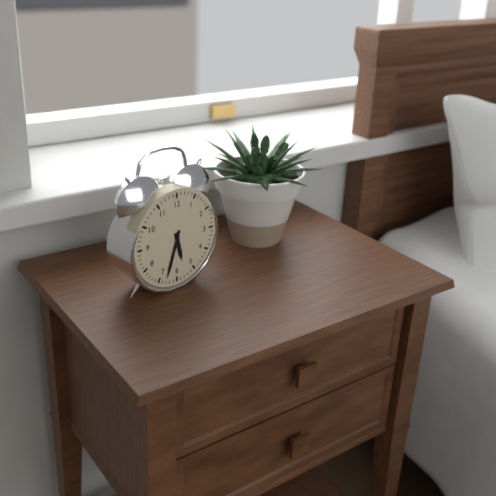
5,33
